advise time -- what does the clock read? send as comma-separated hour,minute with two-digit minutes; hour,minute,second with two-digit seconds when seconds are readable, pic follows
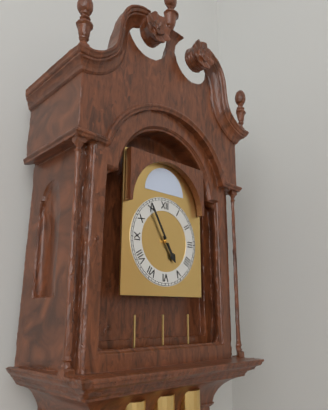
4,55
